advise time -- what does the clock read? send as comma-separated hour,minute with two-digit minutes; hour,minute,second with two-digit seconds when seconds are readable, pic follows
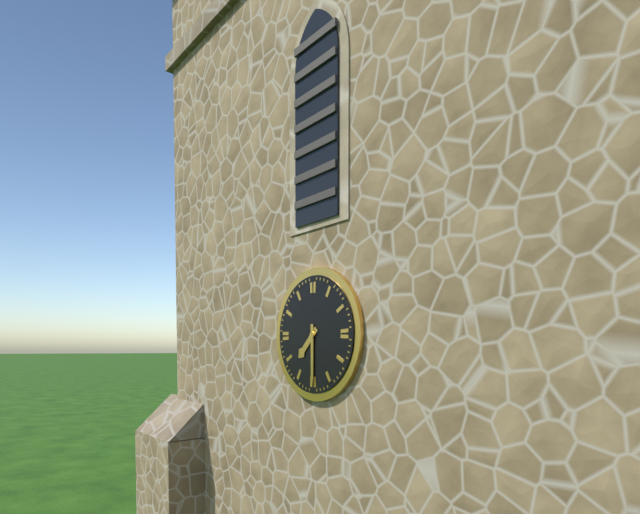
7,30
